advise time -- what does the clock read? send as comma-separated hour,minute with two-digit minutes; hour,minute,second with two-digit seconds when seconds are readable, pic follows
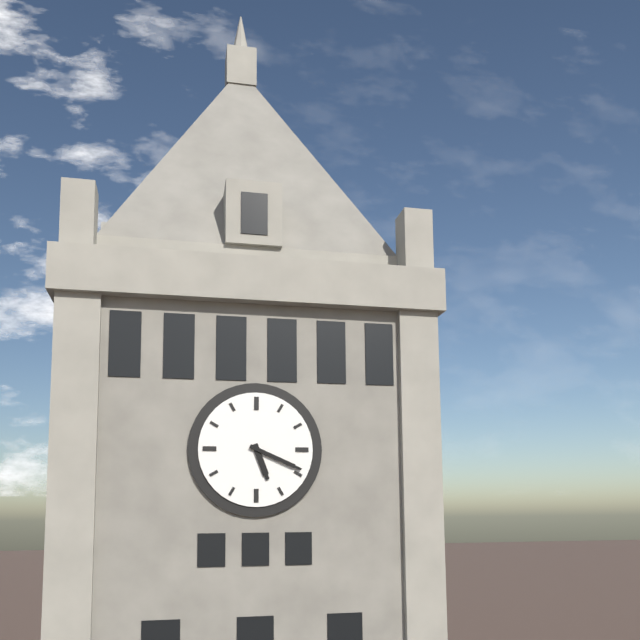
5,19
